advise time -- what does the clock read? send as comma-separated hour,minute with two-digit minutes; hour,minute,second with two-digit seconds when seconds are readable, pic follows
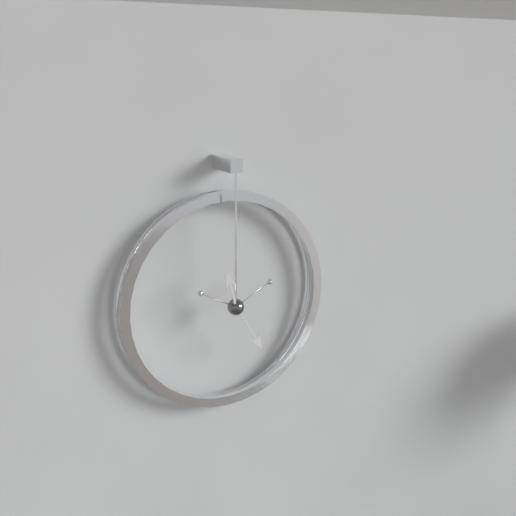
11,25
